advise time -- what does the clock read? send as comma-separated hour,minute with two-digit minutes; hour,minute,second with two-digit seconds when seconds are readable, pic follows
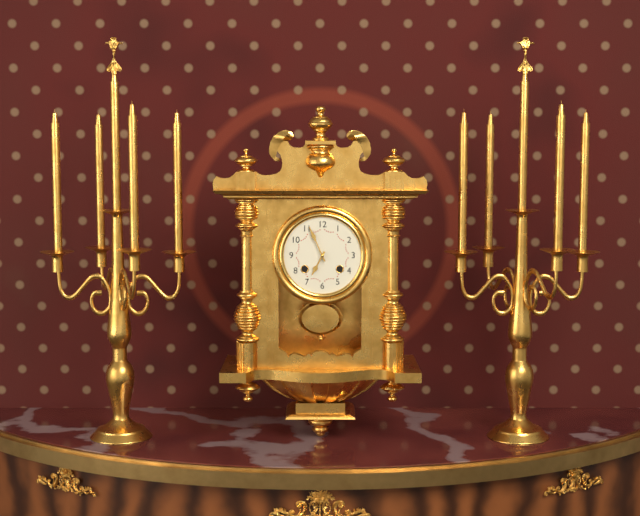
6,56
